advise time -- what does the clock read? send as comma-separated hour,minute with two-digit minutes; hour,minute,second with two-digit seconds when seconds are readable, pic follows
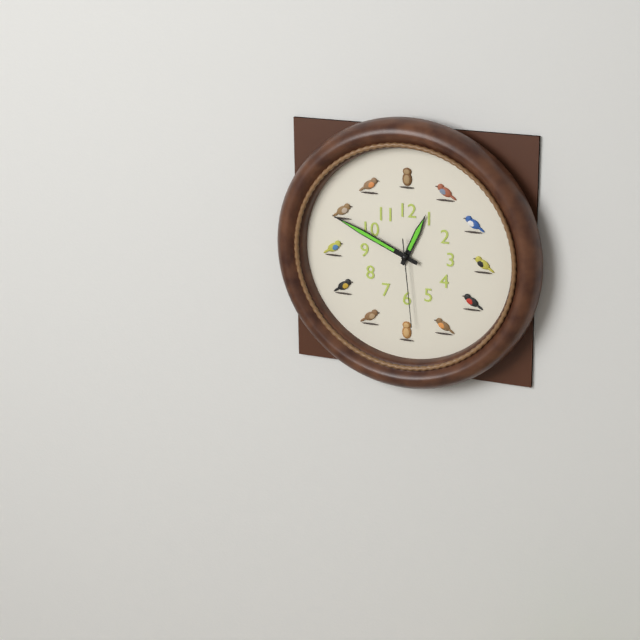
12,49,29
